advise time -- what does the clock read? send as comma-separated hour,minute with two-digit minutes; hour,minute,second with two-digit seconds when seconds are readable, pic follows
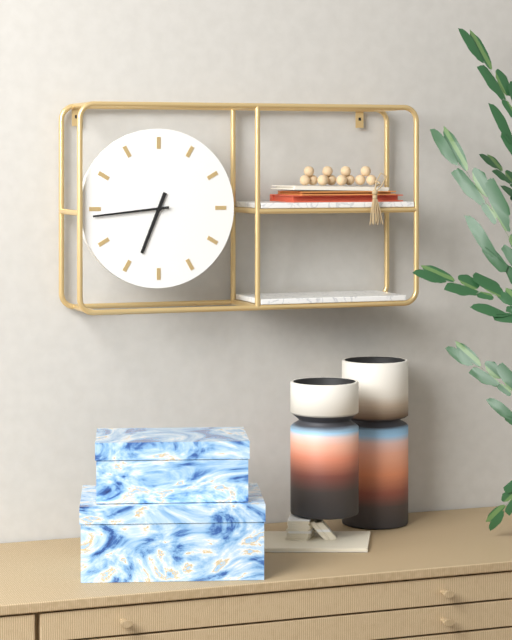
6,44
